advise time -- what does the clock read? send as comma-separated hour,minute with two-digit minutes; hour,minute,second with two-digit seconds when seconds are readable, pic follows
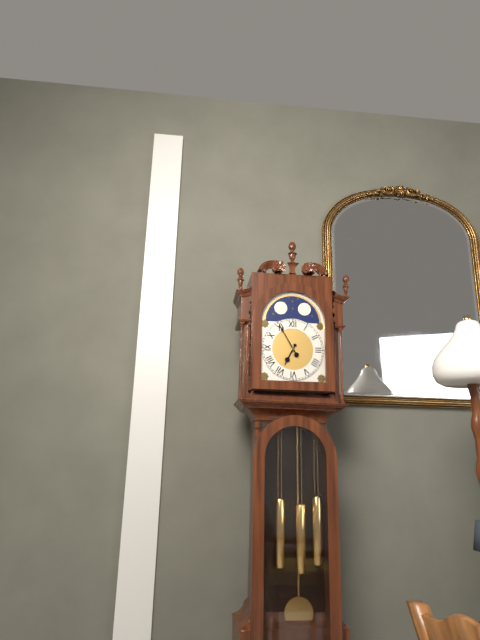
6,55
